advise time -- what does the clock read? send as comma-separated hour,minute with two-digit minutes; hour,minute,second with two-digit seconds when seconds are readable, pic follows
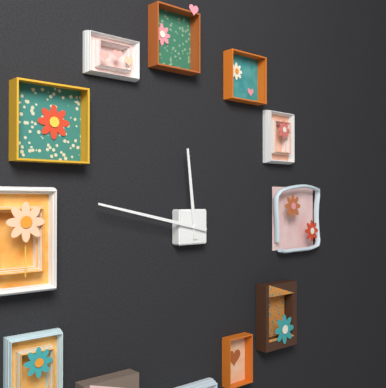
11,47
